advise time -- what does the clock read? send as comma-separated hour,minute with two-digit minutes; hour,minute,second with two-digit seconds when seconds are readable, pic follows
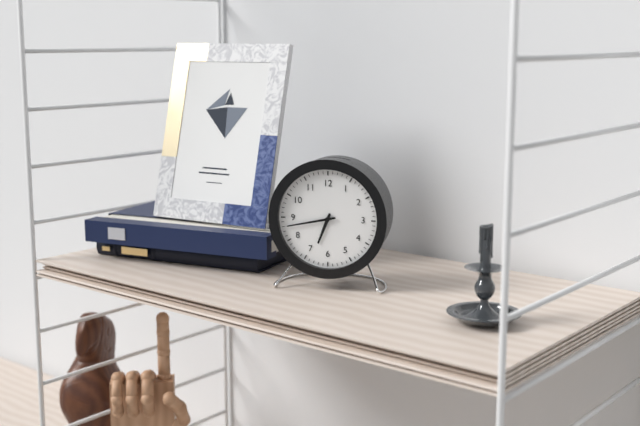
6,43
